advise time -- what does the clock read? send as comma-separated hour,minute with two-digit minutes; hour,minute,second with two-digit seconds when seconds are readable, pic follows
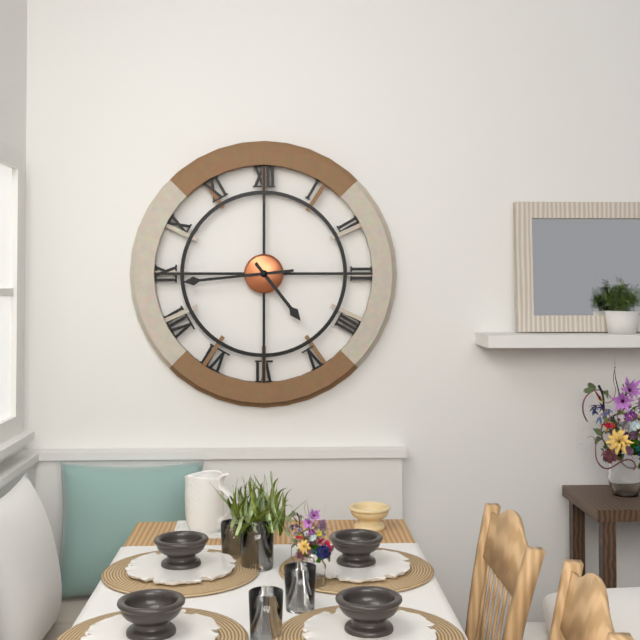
4,44
